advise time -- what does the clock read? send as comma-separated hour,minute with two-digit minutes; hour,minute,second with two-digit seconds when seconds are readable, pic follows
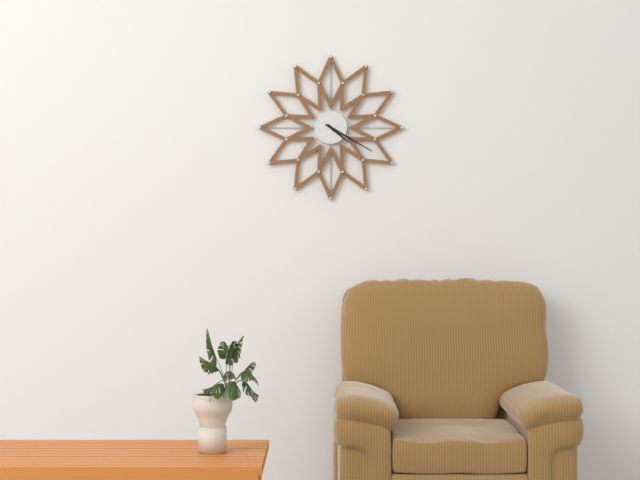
4,20
